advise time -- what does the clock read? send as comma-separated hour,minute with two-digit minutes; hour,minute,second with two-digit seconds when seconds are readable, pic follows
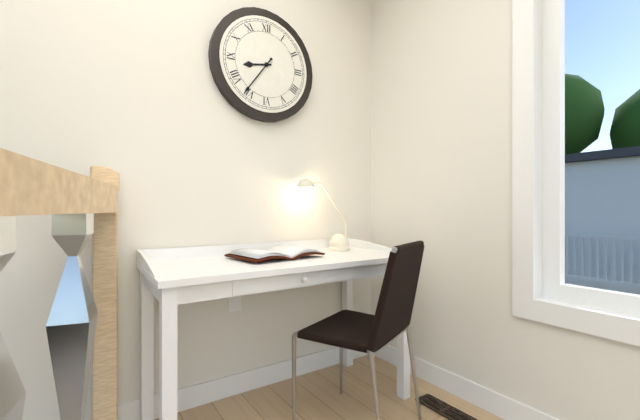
8,36
